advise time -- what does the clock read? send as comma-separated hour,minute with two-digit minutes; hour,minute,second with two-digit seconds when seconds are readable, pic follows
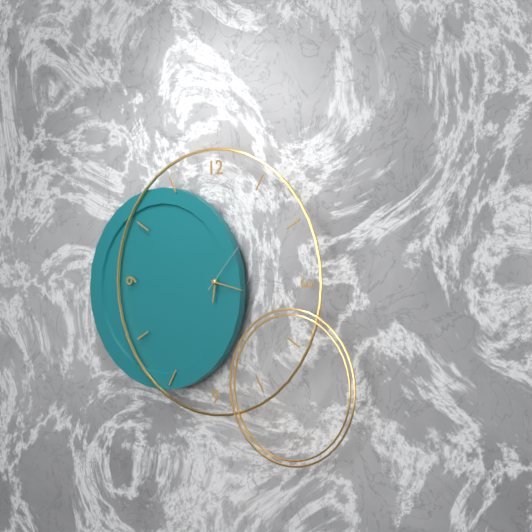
6,17,07
